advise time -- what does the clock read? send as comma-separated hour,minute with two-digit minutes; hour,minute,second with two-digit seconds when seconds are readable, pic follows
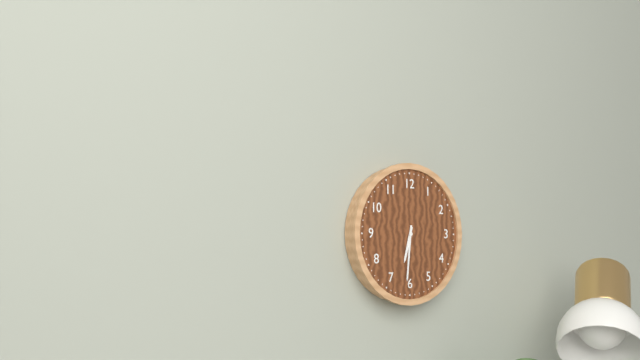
6,31
